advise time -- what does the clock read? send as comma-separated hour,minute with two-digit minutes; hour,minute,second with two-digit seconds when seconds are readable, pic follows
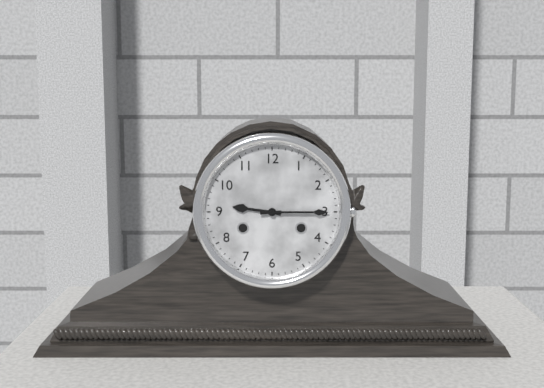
9,15
